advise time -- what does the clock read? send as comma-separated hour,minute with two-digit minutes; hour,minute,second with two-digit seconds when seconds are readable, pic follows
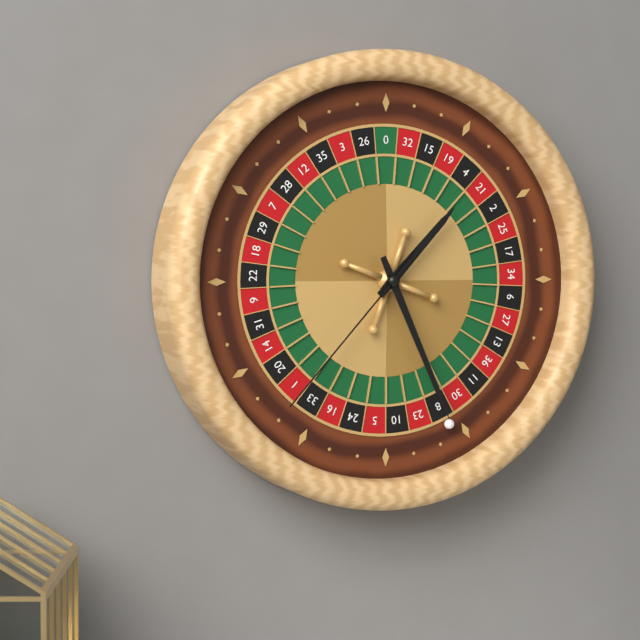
1,26,37
